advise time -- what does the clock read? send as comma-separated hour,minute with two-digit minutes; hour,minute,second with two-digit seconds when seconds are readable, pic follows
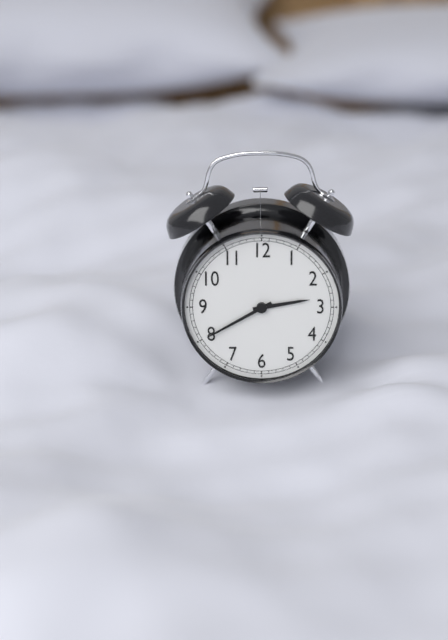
2,40
